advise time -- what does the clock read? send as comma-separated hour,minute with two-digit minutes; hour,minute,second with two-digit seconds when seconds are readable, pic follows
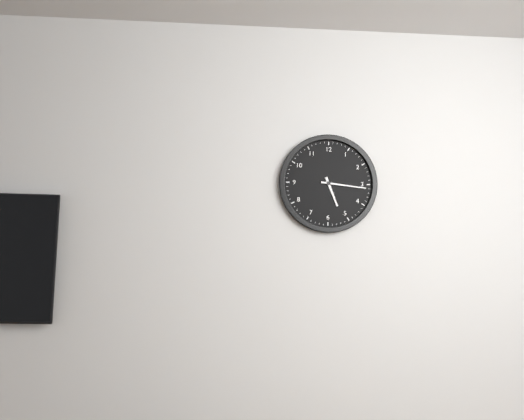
5,16
